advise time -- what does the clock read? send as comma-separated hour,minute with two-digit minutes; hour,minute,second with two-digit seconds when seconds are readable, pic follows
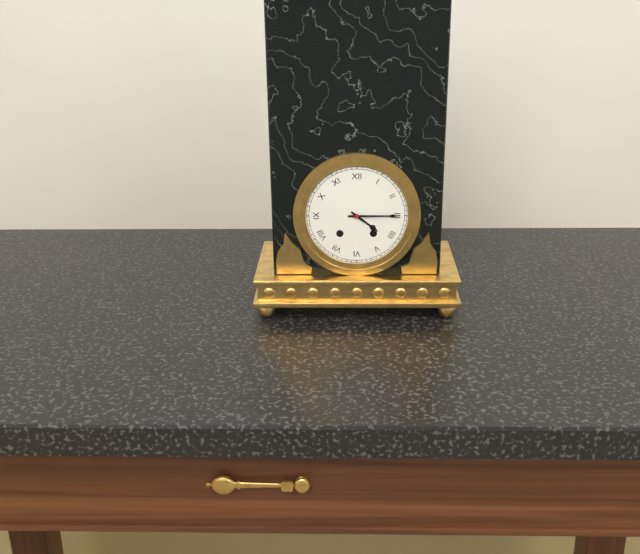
4,15
